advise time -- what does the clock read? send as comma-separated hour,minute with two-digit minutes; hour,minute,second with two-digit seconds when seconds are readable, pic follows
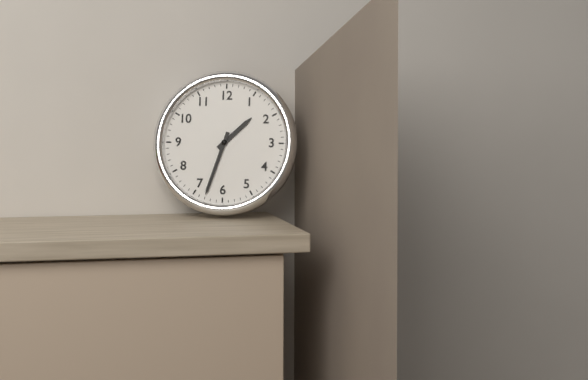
1,33
